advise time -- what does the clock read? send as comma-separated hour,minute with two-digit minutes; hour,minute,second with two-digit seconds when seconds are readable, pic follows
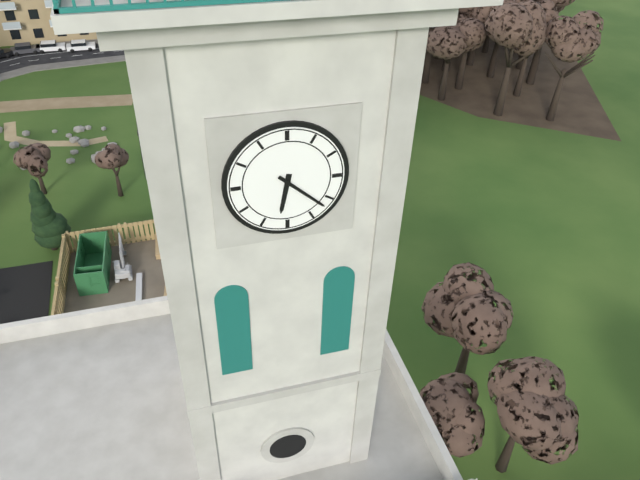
6,22
